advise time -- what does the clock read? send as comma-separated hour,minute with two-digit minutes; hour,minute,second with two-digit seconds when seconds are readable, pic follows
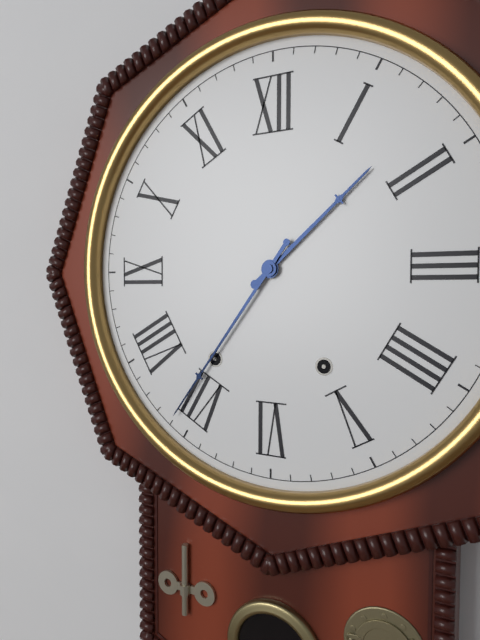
1,36
